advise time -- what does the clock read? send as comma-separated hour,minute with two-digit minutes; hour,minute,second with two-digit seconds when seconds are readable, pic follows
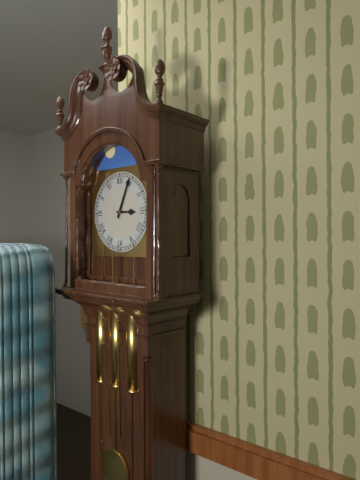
3,04
